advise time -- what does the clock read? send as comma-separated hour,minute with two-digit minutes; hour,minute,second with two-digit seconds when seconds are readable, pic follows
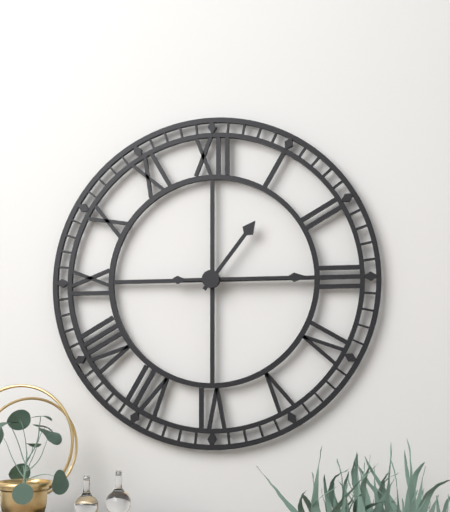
1,15
